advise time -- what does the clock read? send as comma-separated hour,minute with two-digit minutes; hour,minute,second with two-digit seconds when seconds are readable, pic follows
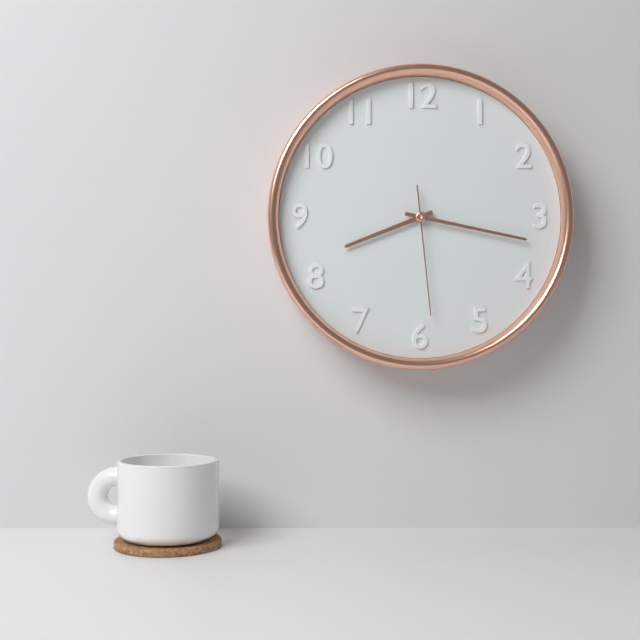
8,17,29
